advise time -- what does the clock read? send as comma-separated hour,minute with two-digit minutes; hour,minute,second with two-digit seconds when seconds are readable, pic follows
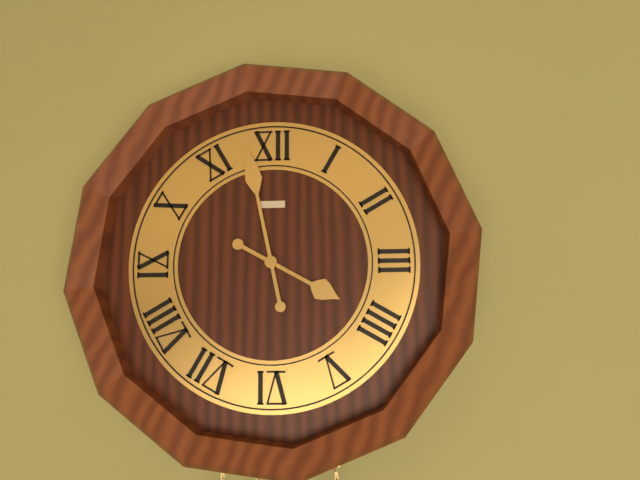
3,58
